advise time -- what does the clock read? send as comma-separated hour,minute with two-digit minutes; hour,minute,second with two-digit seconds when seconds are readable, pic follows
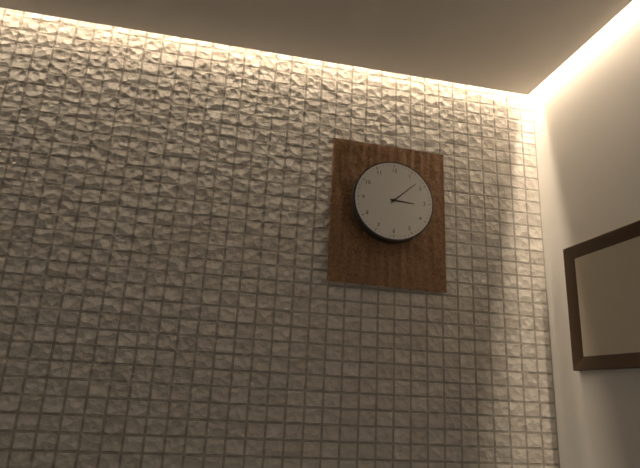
3,08
